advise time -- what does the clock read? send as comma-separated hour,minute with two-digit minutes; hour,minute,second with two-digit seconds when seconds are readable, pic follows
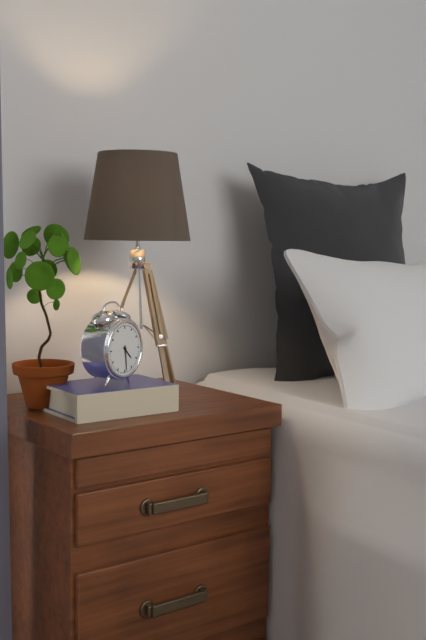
4,29
